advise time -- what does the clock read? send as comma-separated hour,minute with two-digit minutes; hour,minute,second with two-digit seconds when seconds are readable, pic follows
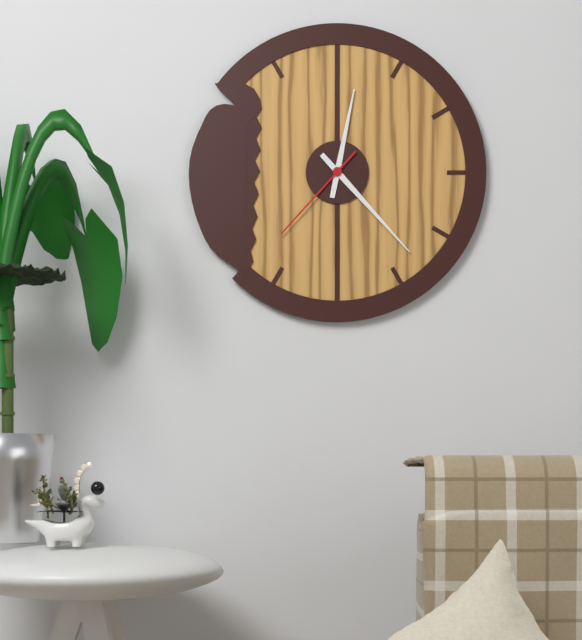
12,23,37
